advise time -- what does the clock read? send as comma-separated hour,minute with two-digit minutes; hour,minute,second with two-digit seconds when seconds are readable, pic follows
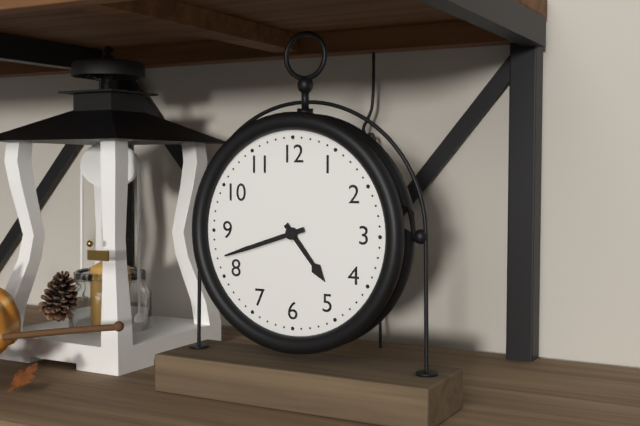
4,42
